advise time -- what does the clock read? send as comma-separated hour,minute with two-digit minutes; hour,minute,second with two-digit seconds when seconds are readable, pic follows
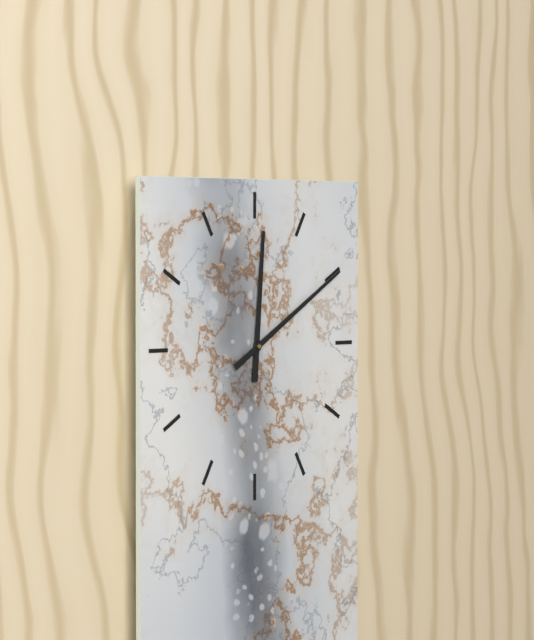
12,10
